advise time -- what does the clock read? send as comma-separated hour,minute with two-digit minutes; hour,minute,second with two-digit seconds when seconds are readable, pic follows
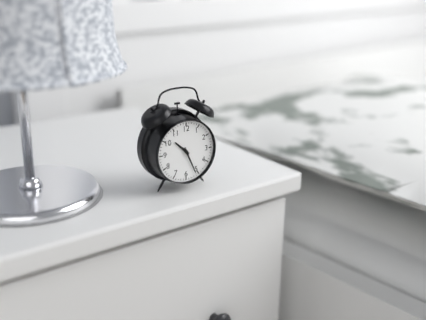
10,26
